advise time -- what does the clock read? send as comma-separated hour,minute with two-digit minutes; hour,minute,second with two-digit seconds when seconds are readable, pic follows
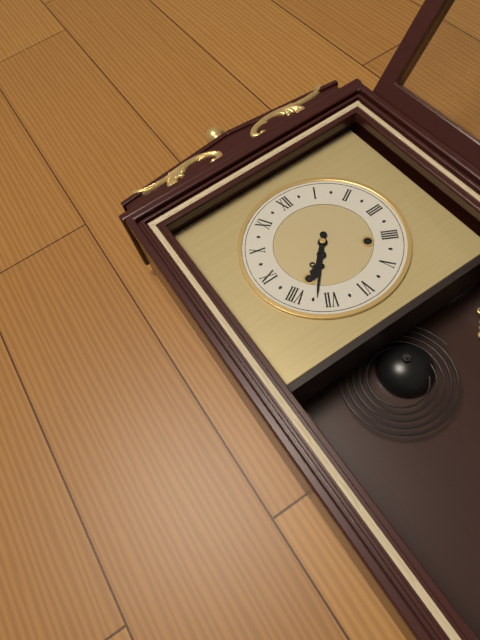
7,37
